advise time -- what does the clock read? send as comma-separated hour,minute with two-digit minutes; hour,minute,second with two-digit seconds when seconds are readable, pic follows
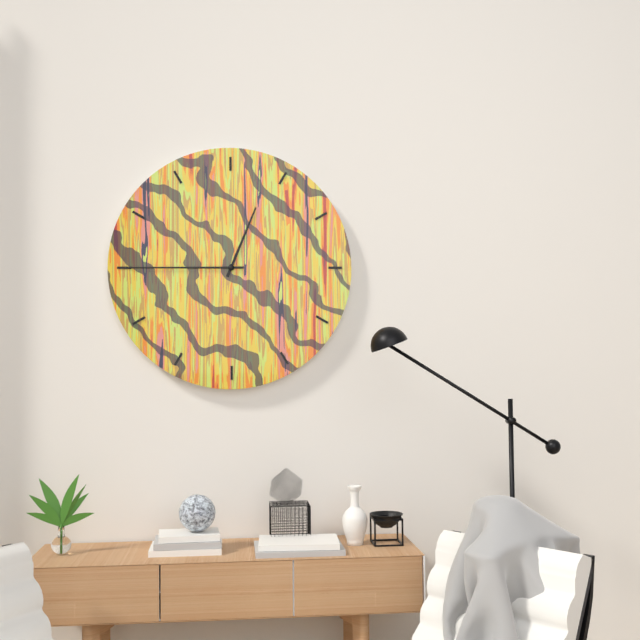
12,45
